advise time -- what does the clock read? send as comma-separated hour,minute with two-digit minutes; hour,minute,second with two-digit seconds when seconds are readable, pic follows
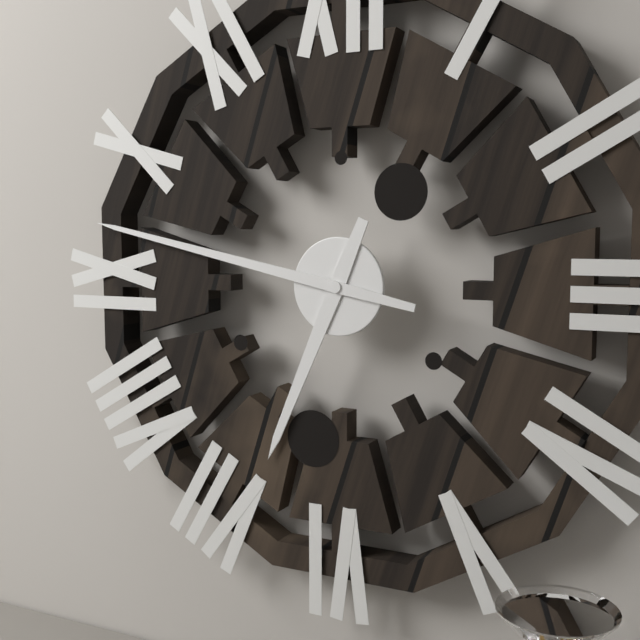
6,47
